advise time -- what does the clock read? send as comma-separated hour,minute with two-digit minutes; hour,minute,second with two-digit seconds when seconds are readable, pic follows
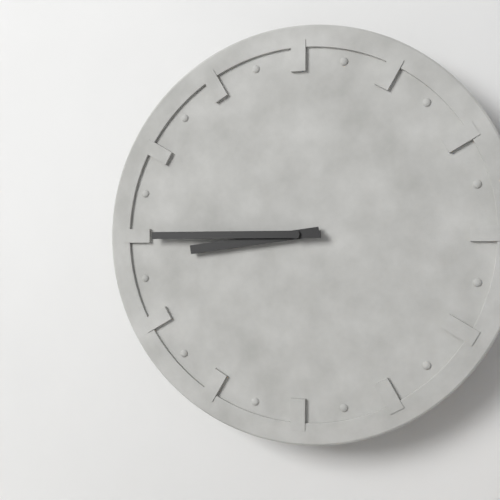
8,45
